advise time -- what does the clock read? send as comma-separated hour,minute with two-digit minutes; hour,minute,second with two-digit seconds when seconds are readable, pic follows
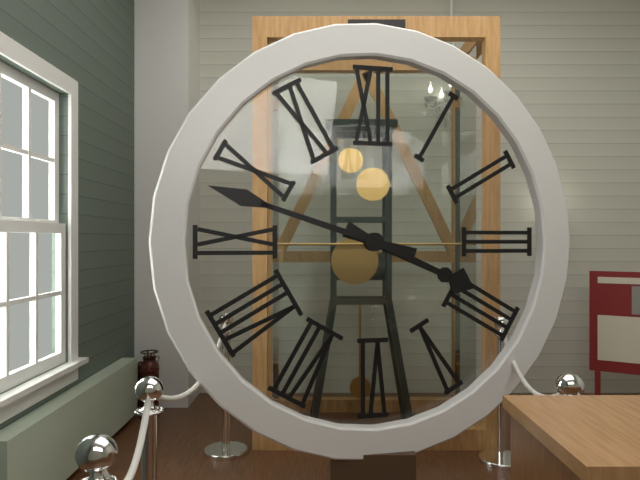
3,48
